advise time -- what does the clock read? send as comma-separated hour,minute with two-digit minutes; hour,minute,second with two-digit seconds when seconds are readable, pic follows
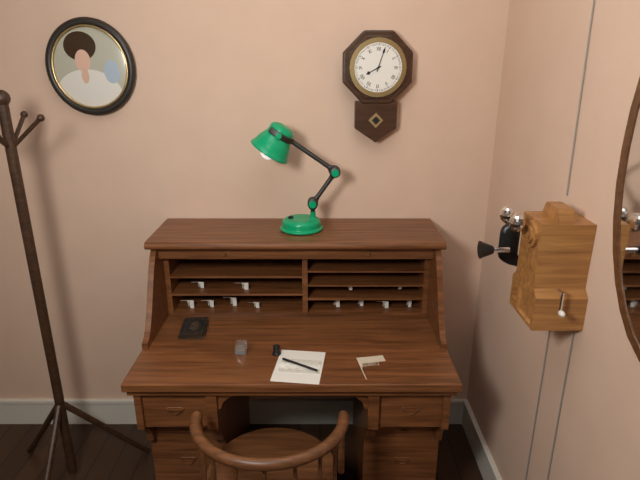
8,03
